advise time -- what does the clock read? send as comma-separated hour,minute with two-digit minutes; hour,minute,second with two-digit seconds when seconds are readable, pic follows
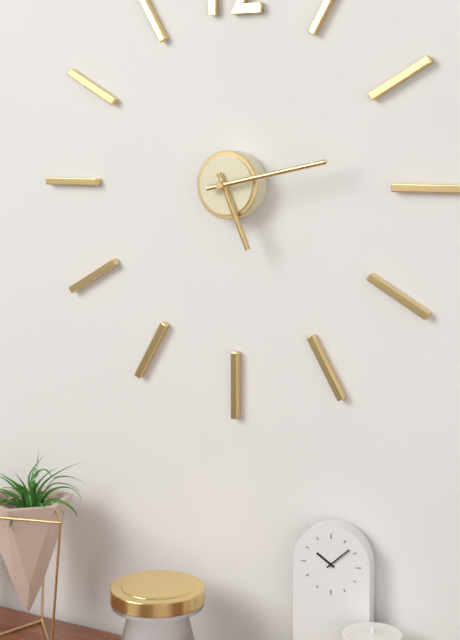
5,13
